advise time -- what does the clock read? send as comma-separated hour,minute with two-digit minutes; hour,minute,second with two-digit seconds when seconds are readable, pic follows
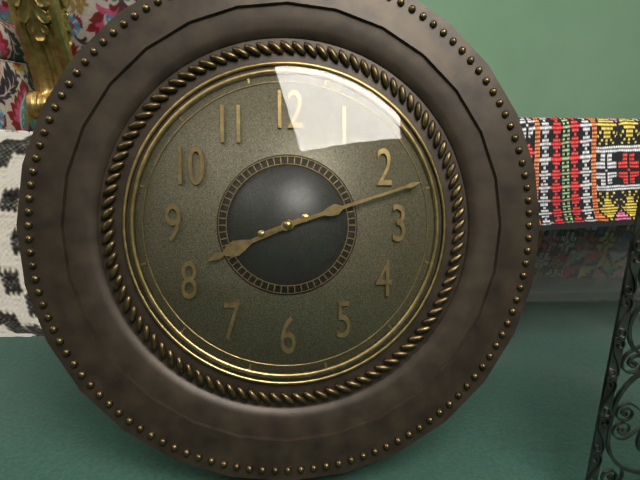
8,12
